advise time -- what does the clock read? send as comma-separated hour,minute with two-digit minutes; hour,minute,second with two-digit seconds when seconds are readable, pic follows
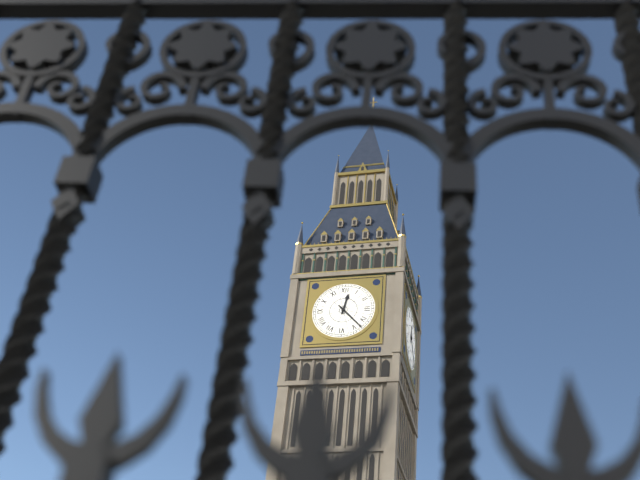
12,23
